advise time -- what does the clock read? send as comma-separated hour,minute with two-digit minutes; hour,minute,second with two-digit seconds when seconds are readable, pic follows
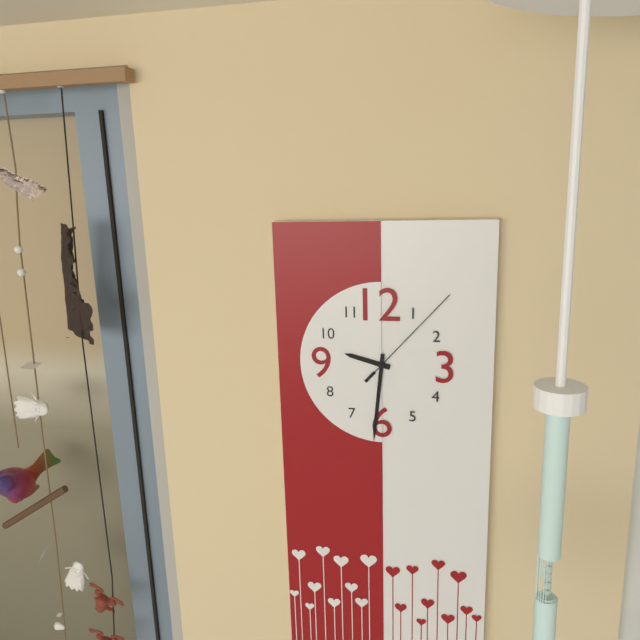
9,31,07
